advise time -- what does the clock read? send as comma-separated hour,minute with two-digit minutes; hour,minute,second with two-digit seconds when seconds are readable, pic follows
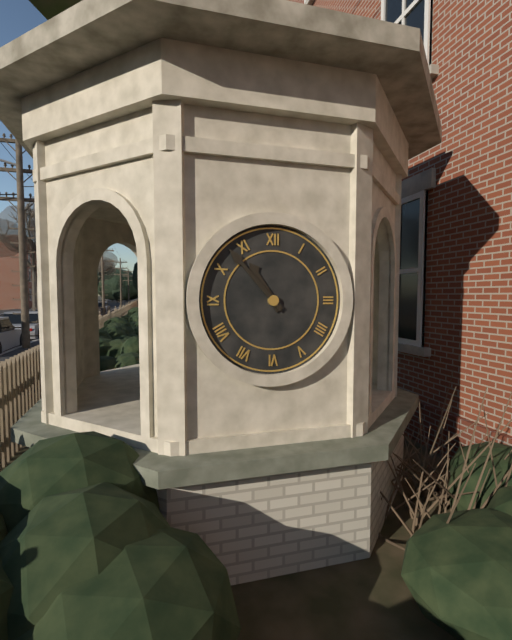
10,53
